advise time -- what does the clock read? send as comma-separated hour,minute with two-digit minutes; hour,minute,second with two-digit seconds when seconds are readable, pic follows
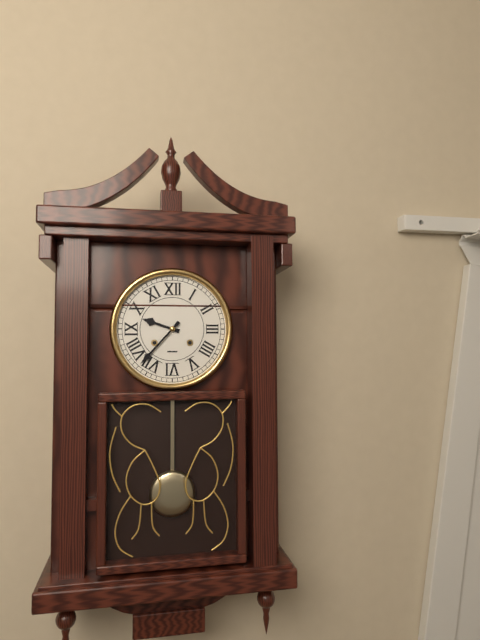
9,37
